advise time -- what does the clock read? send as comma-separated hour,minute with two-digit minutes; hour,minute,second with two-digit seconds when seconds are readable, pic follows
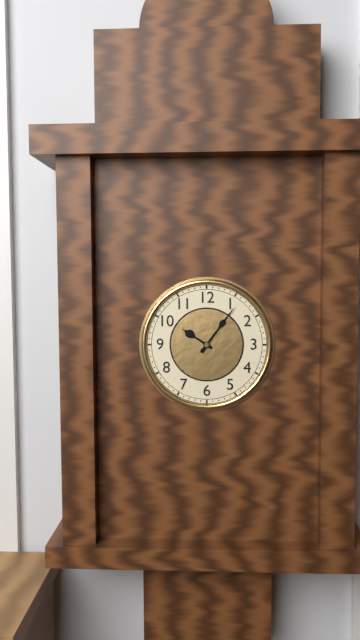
10,06
